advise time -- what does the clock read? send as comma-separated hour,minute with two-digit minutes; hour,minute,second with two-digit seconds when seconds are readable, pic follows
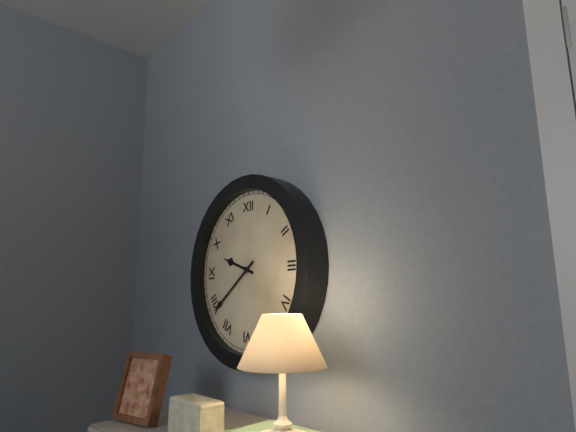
9,39
